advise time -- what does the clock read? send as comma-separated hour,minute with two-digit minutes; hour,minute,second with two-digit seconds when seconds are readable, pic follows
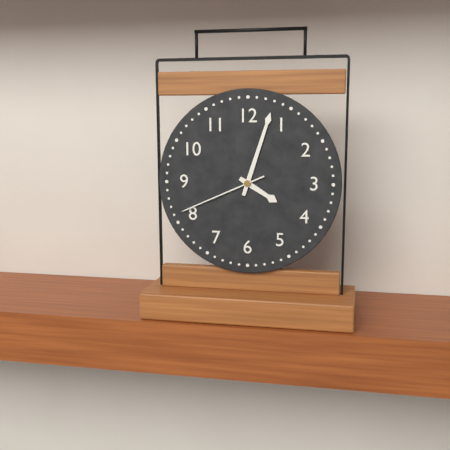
4,03,41
